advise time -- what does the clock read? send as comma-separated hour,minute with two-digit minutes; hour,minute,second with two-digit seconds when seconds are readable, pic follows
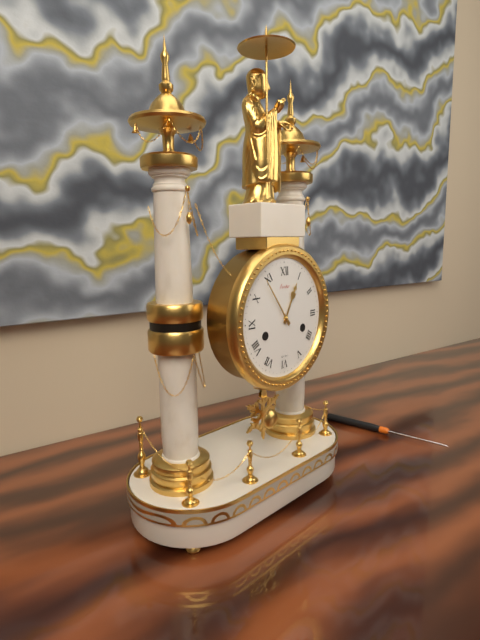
12,54
